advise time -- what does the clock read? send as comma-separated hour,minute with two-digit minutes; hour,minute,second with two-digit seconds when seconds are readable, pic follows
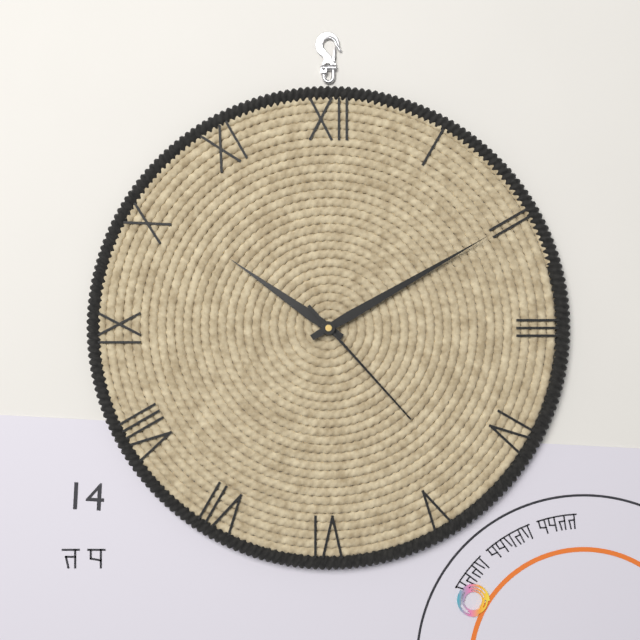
10,10,23
